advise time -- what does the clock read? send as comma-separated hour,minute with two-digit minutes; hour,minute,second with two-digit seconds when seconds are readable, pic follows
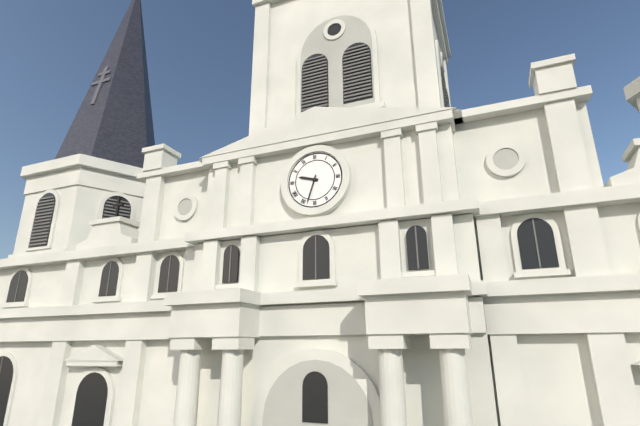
9,33
